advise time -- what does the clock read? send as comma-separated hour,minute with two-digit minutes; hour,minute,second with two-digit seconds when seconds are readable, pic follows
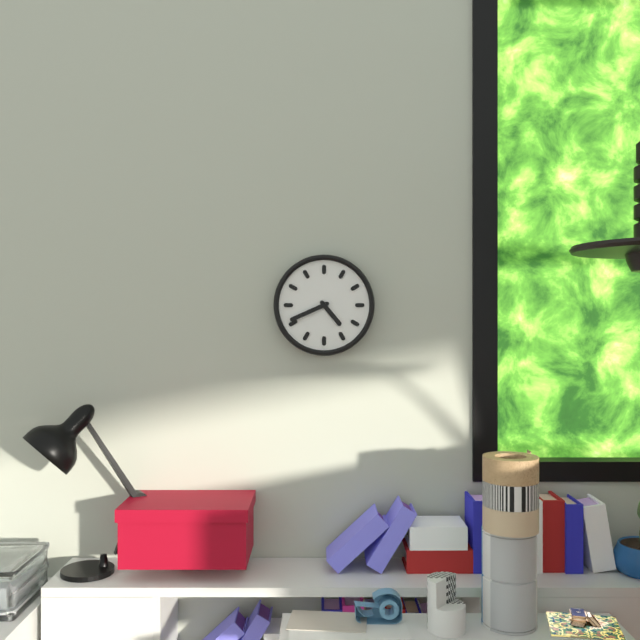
4,41
